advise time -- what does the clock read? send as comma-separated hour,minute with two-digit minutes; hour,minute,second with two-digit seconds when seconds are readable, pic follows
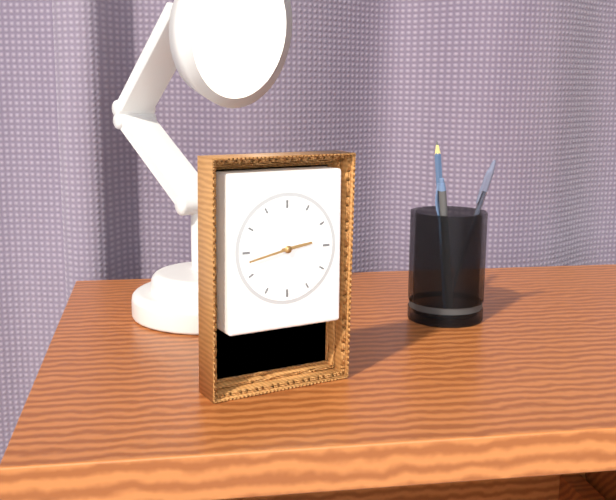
2,43
